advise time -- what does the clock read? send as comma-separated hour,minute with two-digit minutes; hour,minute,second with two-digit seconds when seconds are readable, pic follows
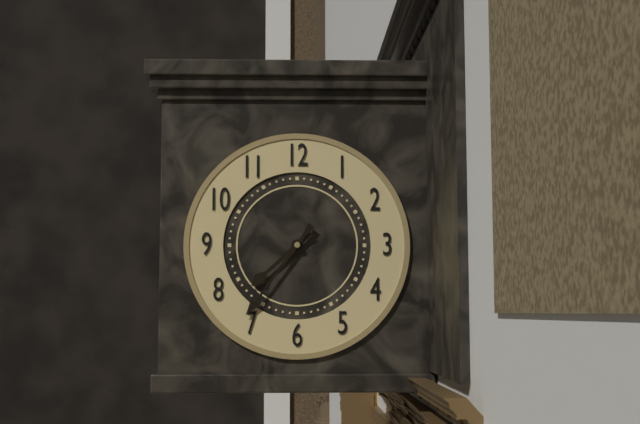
7,36
